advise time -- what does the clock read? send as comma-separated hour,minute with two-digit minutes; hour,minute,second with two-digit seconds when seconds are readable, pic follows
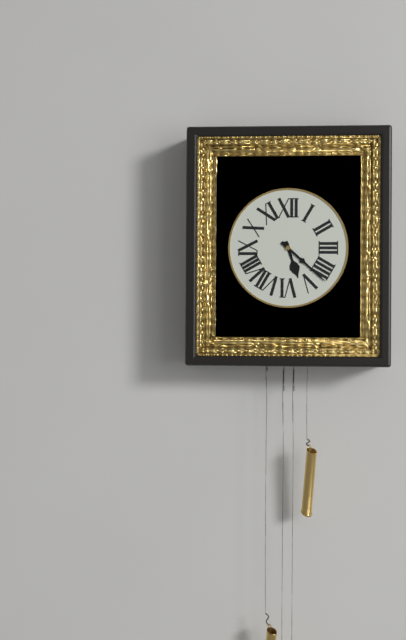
5,22
